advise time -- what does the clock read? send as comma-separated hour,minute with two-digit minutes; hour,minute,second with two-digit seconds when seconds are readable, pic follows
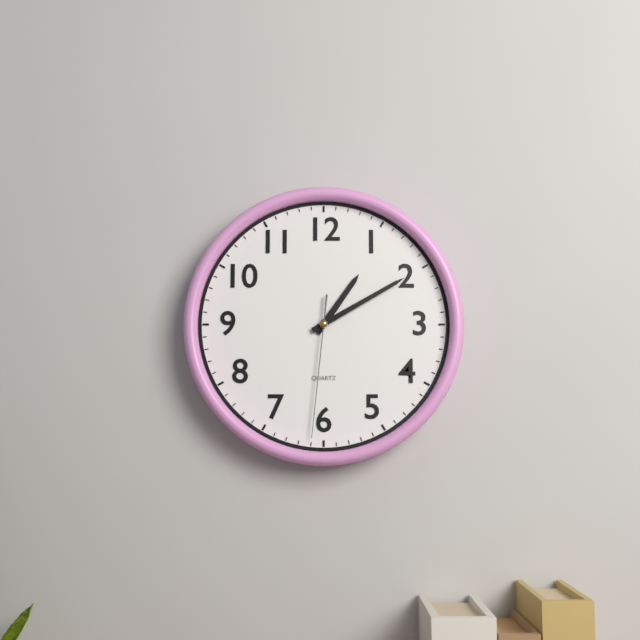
1,10,31
